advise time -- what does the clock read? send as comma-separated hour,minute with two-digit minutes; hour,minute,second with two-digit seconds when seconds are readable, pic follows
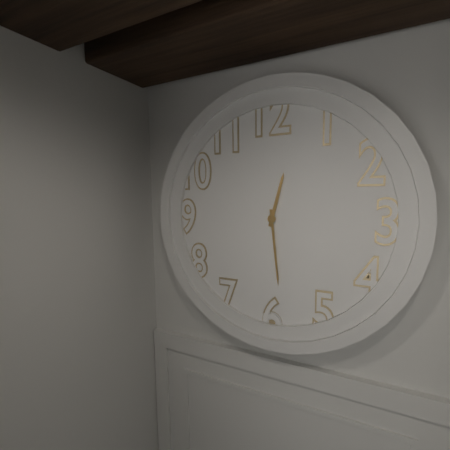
12,29
